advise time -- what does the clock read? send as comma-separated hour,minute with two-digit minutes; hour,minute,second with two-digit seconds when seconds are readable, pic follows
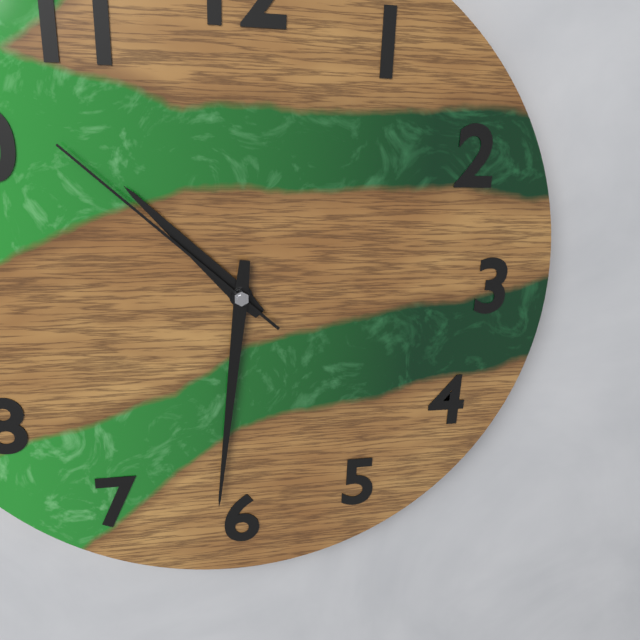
10,31,52
